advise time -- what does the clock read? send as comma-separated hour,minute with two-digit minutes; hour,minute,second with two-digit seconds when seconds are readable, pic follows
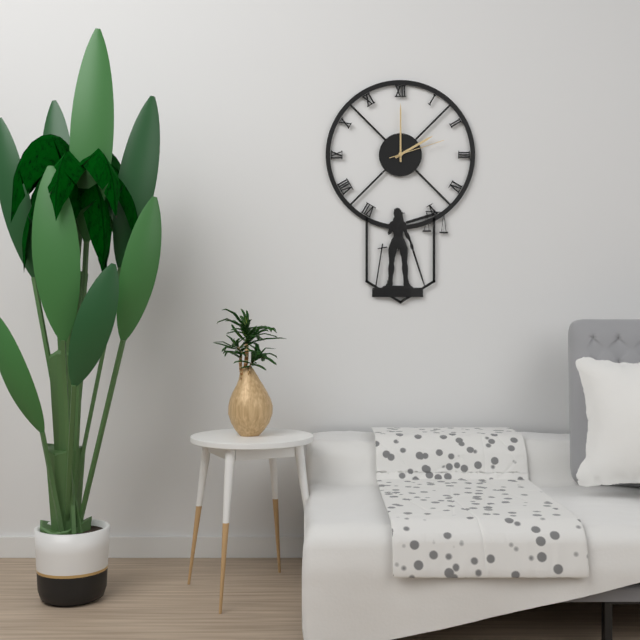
2,00,12
